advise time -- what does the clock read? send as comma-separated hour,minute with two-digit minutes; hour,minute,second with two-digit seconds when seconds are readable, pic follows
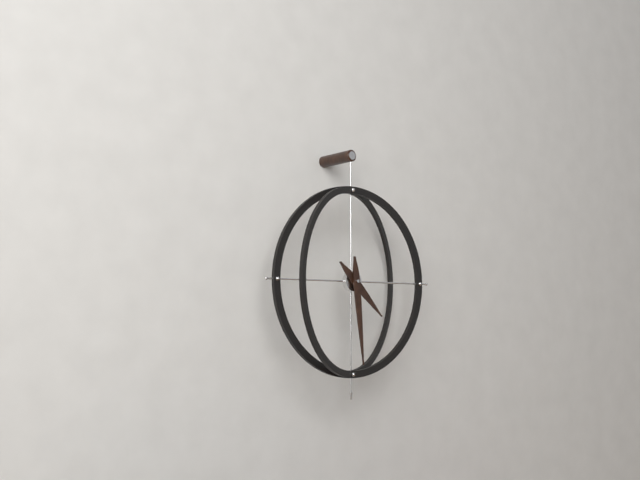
4,29
